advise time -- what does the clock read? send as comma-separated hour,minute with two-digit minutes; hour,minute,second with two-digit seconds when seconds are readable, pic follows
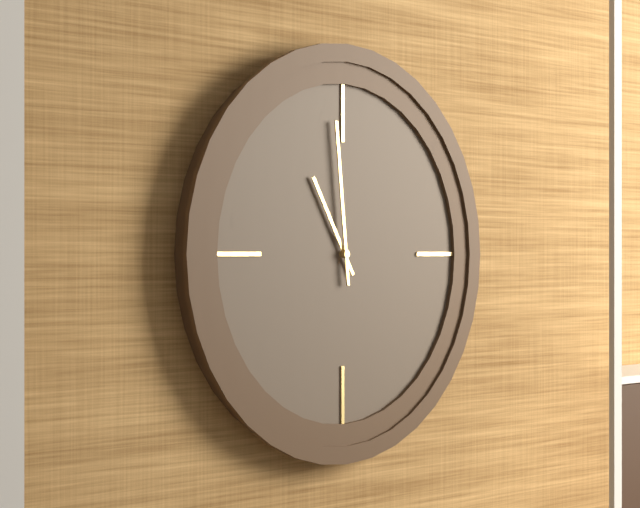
10,59
